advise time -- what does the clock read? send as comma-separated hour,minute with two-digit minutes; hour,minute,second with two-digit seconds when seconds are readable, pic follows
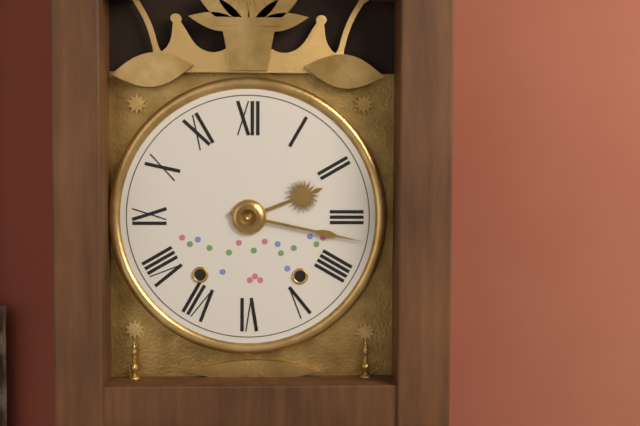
2,17
